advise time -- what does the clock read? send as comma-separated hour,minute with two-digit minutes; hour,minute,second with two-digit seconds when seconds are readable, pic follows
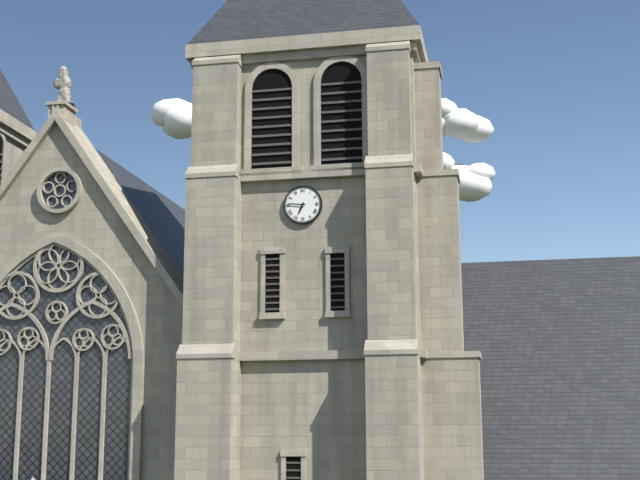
6,46
